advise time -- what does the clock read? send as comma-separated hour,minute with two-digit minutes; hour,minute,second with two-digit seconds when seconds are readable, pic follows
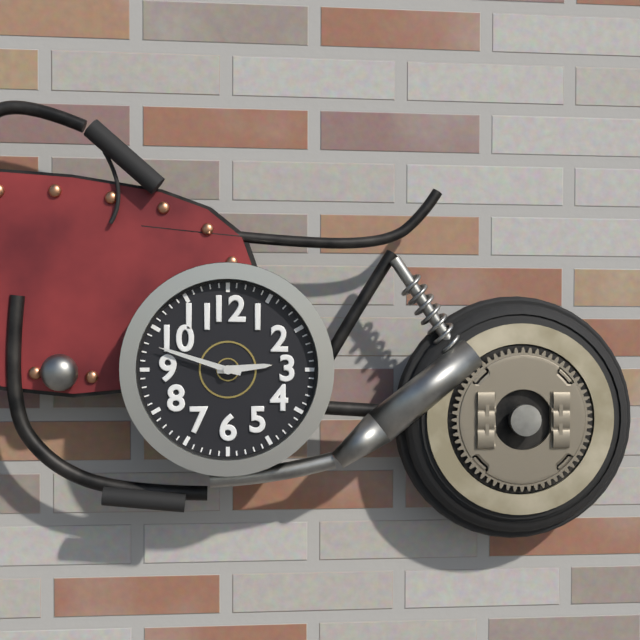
2,48
